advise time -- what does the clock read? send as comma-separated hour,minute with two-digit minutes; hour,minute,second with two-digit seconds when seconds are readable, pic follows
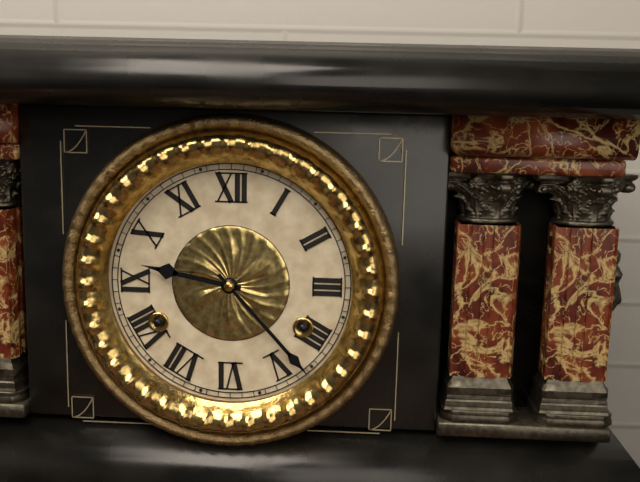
9,23
